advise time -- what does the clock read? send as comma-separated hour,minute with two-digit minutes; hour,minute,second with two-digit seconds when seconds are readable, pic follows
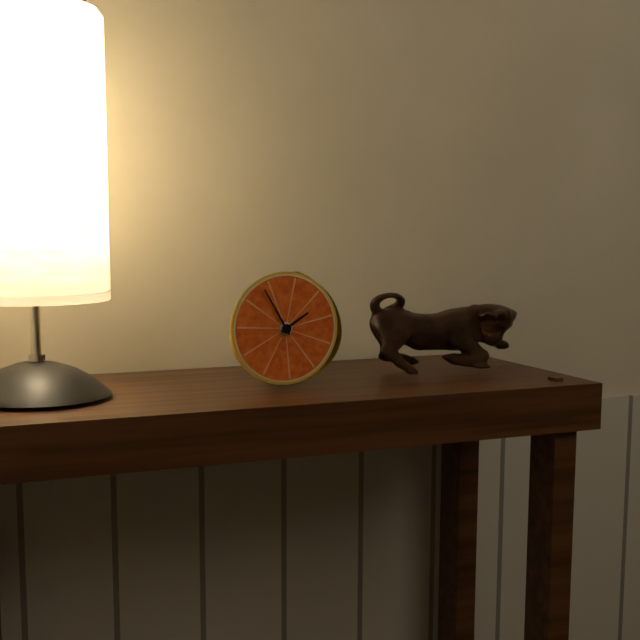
1,55
